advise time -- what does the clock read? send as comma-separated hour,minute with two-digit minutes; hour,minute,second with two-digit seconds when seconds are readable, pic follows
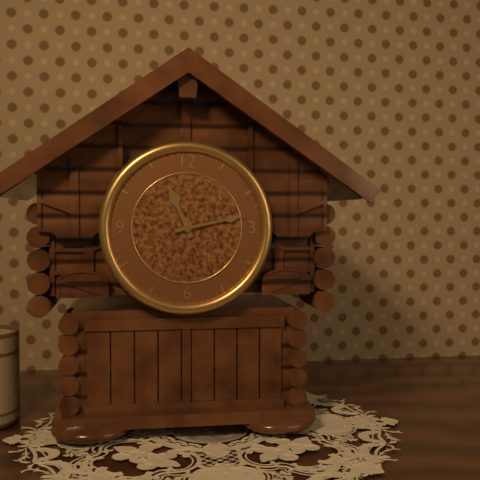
11,13
